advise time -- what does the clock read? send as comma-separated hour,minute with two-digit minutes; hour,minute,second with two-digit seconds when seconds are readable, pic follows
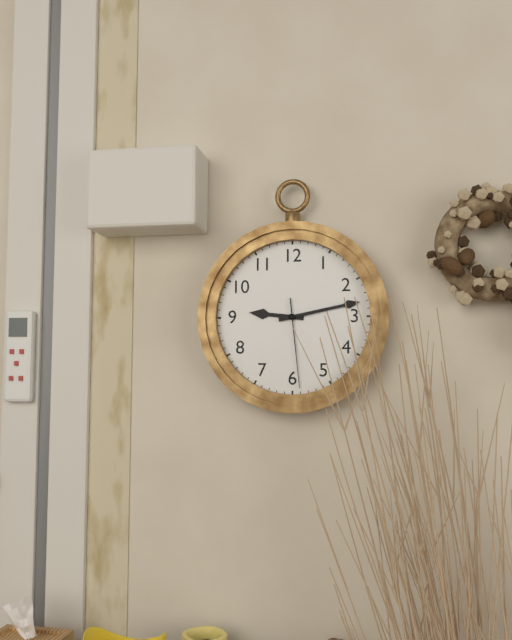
9,13,29
